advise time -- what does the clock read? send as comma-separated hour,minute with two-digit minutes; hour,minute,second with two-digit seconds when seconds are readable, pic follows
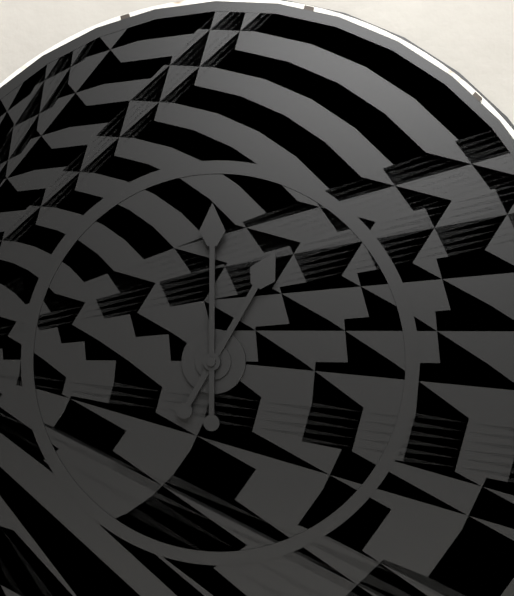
1,00
